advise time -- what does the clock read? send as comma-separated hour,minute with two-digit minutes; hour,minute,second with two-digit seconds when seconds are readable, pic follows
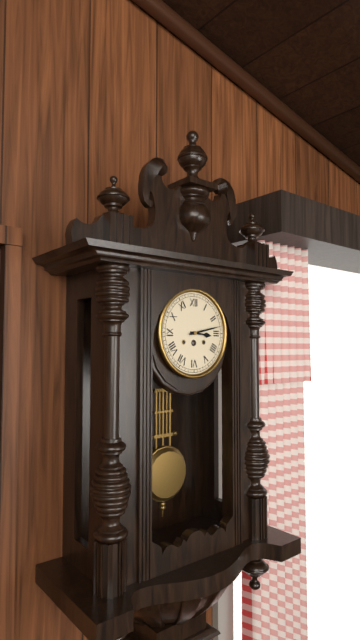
3,13
